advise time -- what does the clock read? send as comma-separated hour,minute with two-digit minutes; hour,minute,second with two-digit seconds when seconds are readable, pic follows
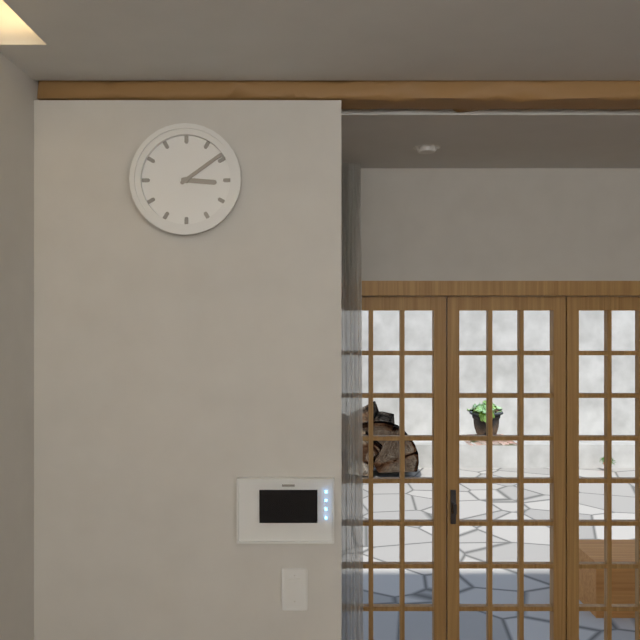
3,09
